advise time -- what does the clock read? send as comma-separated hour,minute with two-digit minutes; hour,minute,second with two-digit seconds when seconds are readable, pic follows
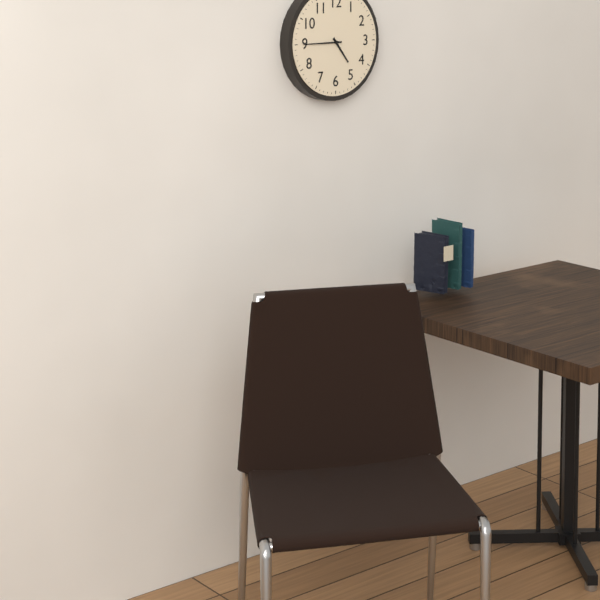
4,45
